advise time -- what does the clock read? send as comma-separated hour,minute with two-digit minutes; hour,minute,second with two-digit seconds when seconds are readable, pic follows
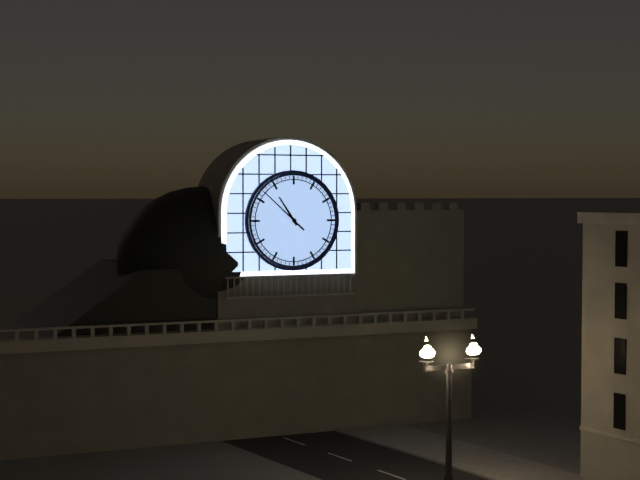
10,52
